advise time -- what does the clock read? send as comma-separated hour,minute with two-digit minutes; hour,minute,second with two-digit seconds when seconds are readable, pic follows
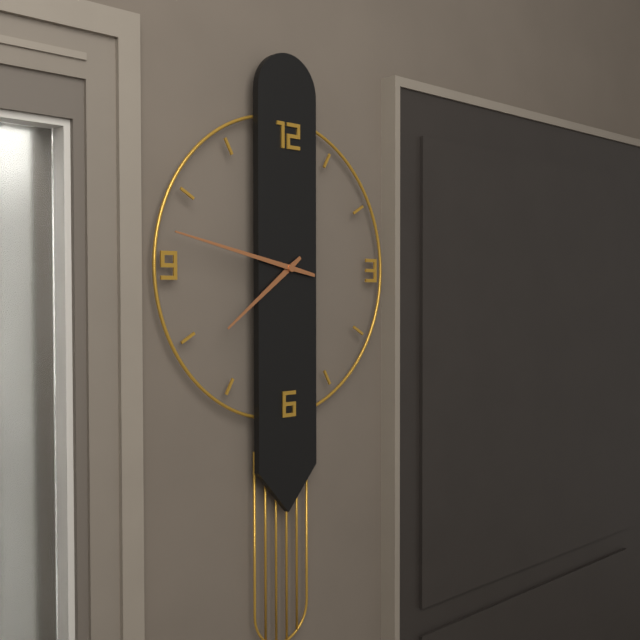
7,47
